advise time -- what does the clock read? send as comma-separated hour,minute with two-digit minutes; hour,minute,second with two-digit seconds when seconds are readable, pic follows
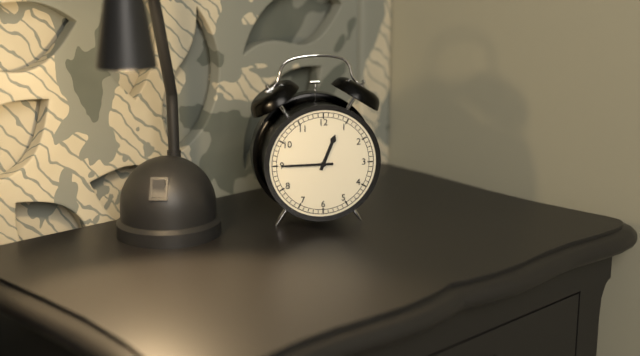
12,45
